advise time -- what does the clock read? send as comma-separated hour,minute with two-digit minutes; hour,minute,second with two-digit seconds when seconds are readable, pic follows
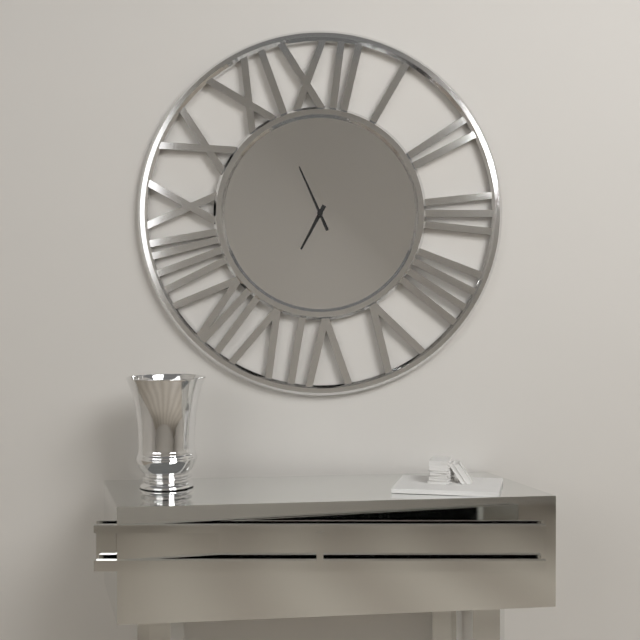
6,56
